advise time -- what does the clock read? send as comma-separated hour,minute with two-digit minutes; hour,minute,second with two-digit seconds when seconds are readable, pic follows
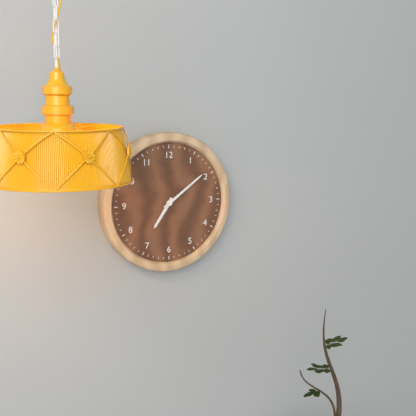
7,09
